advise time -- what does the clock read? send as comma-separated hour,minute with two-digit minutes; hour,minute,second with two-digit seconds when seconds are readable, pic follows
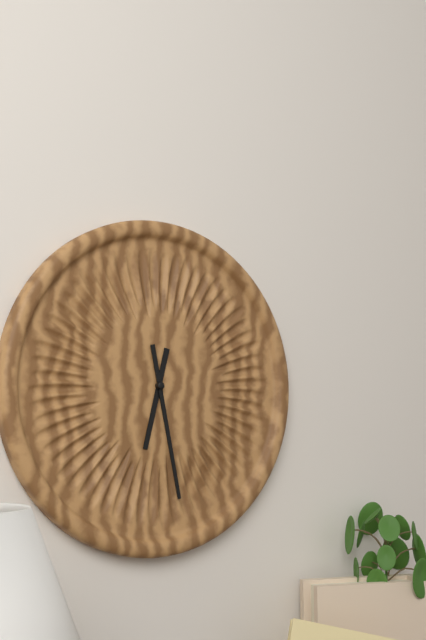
6,28
